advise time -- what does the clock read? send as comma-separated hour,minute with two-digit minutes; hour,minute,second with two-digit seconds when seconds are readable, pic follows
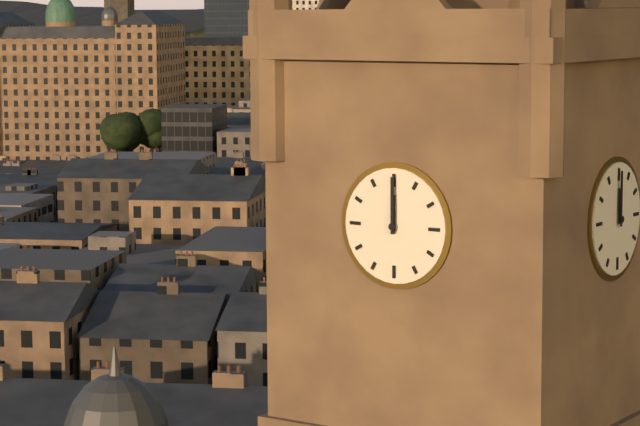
12,00
